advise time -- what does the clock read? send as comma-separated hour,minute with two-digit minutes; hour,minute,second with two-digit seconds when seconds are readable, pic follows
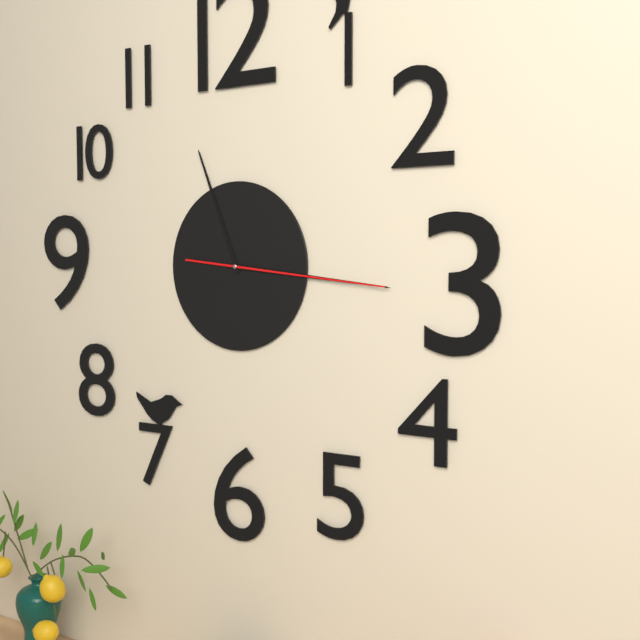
11,16,16
